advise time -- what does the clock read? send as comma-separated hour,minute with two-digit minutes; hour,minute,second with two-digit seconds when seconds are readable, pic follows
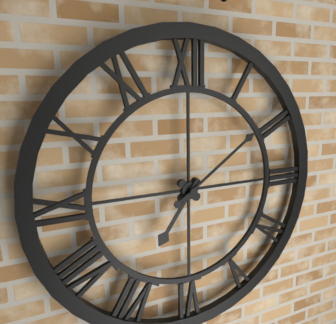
7,09
